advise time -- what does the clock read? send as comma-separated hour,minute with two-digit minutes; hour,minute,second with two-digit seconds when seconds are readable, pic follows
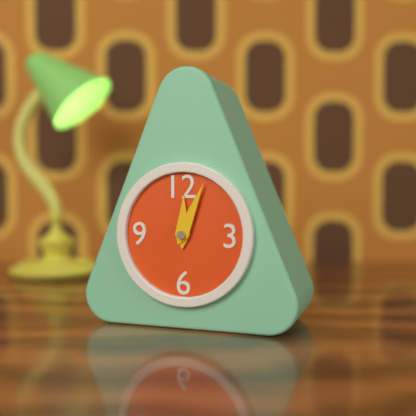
12,04
